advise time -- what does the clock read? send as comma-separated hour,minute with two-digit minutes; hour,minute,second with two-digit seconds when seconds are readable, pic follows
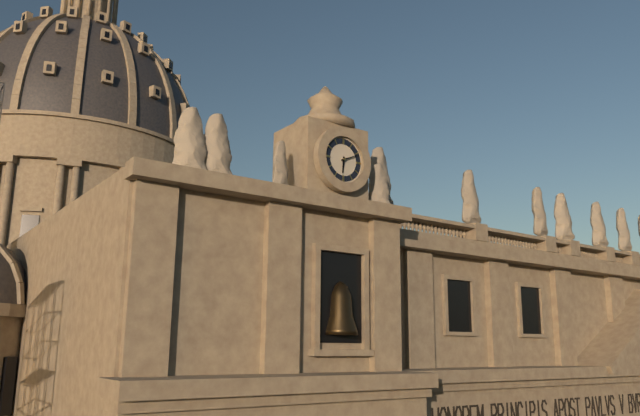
6,11
